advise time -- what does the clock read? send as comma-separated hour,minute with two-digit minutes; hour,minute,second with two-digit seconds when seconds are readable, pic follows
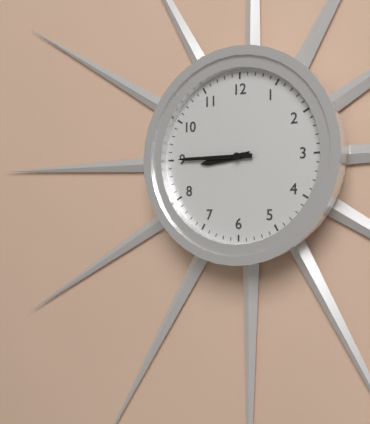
8,45
